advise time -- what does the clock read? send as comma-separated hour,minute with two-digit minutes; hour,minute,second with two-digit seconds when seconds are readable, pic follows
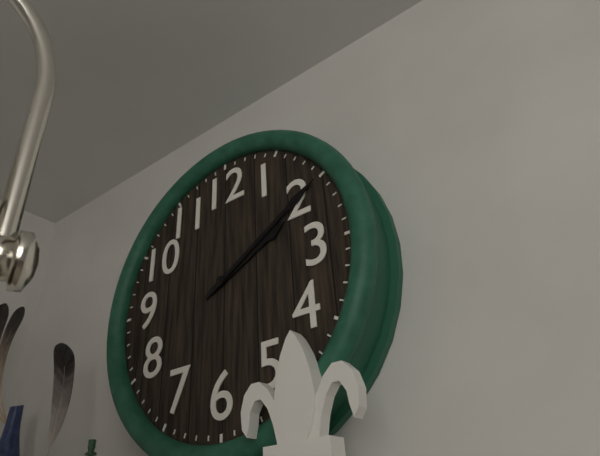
2,10
